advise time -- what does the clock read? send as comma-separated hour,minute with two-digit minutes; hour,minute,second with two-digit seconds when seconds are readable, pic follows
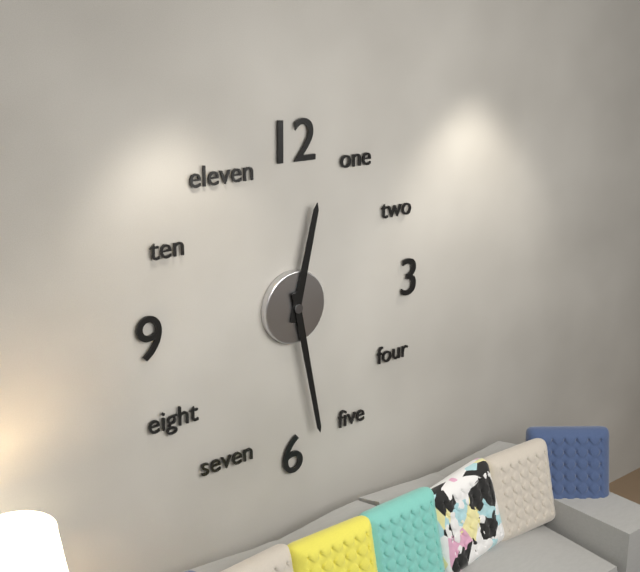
12,28
